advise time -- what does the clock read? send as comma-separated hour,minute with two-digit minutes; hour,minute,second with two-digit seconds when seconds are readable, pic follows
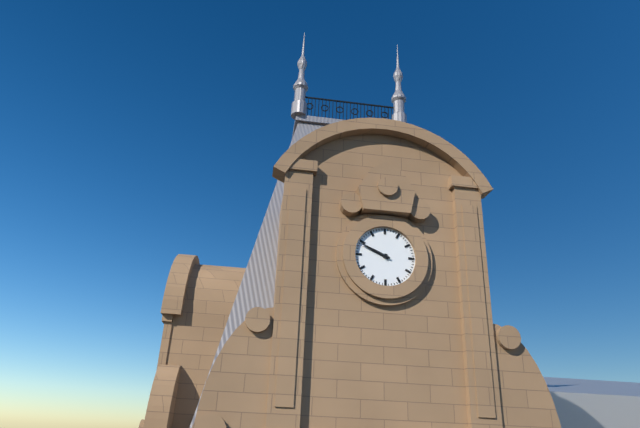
9,49
